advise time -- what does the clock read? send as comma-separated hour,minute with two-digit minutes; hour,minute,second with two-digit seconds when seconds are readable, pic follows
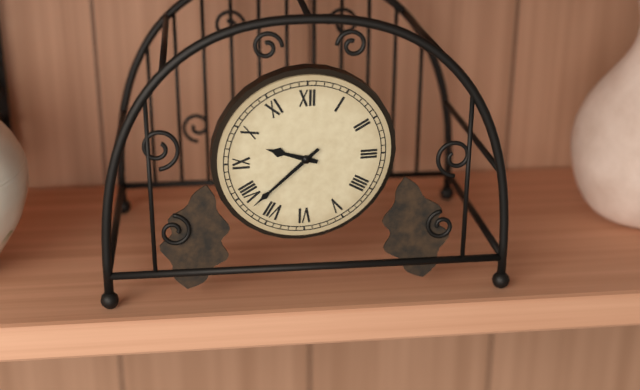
9,38
